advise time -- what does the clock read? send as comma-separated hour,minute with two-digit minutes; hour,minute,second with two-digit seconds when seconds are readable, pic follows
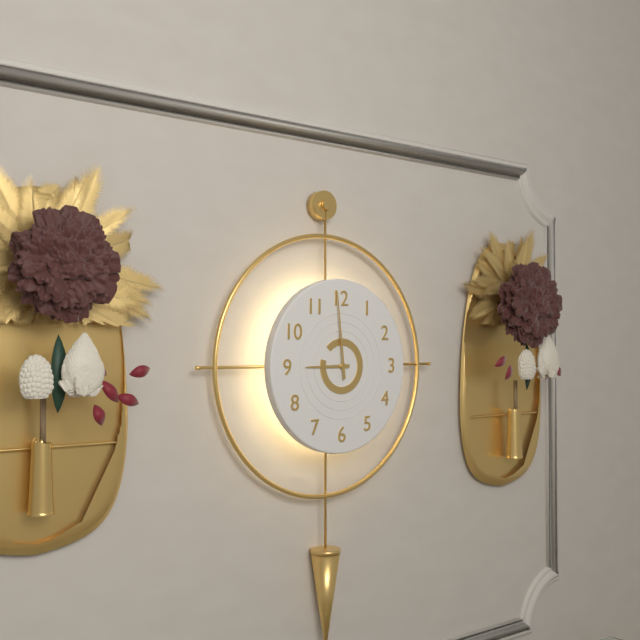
8,59
